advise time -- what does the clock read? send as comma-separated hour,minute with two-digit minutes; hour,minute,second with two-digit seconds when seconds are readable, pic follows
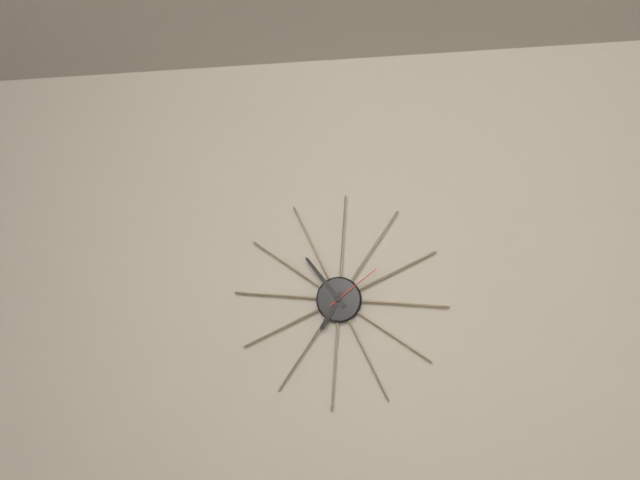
6,53,08
